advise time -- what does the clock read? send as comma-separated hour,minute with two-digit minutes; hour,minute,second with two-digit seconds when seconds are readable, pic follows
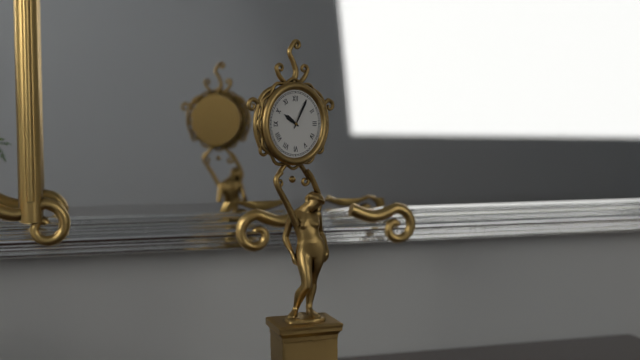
10,05
